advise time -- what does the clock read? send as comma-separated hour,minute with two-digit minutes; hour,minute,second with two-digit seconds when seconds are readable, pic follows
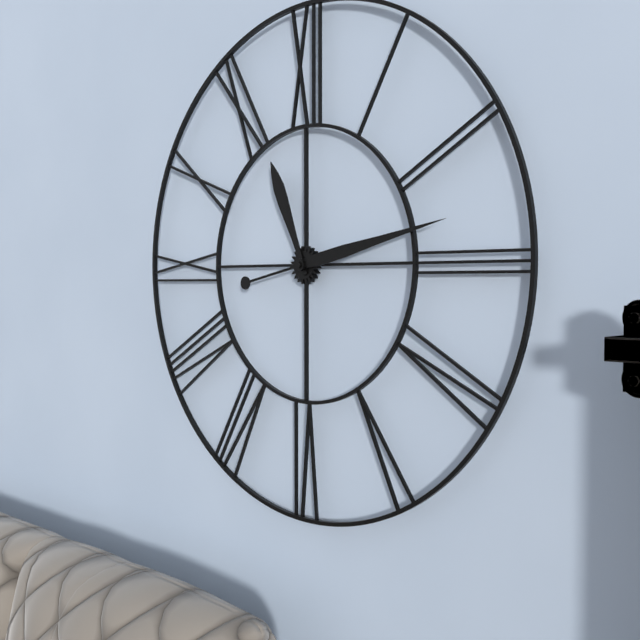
11,13
